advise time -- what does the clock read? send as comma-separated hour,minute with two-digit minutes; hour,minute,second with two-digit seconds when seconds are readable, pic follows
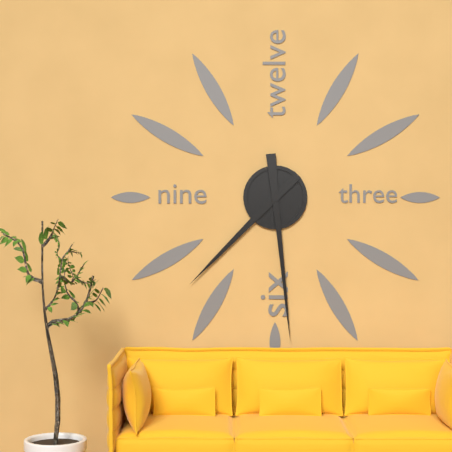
7,29
